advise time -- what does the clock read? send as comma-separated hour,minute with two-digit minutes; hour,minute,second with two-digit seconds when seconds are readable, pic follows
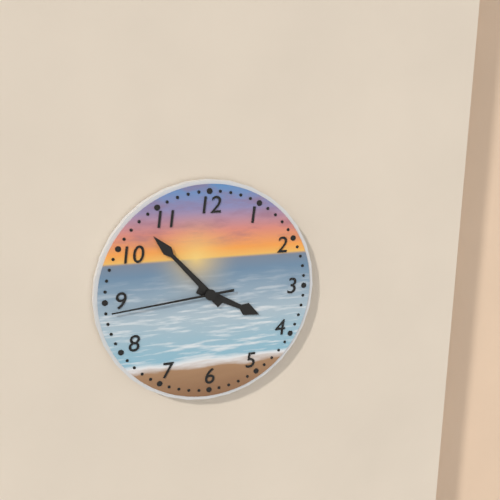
3,53,44
